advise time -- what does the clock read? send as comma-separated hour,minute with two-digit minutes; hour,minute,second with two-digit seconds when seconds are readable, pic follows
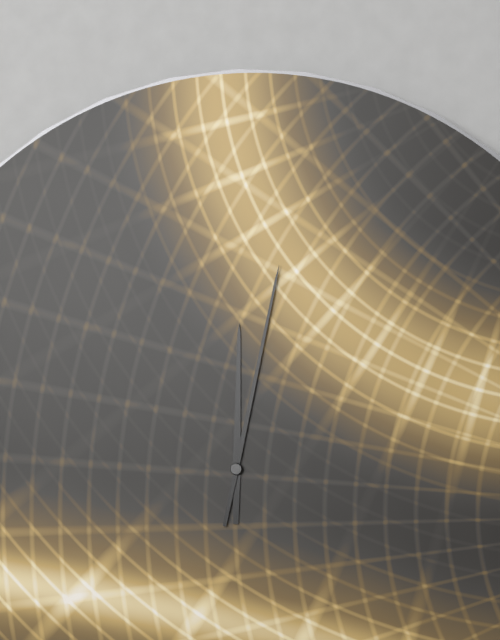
12,02
